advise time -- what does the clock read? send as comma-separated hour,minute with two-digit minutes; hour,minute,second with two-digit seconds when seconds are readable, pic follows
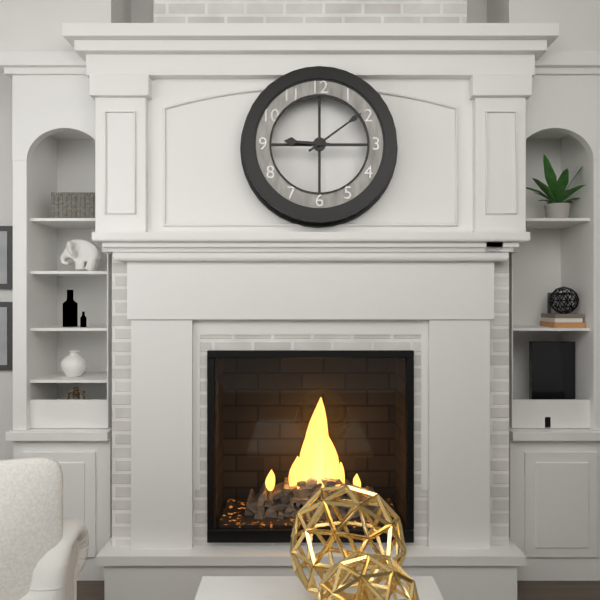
9,09
